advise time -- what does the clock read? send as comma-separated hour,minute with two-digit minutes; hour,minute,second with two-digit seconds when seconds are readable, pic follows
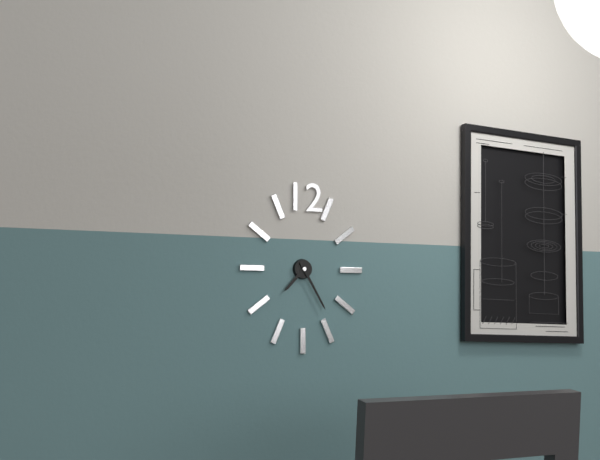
7,25
